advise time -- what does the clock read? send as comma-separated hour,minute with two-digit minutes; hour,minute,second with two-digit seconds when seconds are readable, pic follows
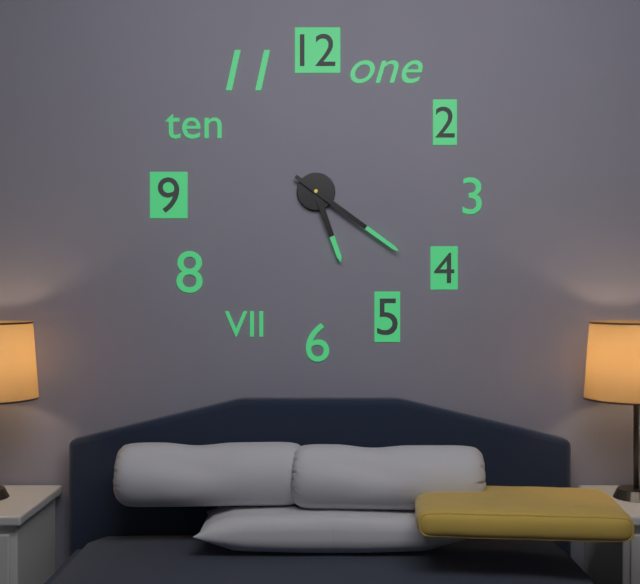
5,21
